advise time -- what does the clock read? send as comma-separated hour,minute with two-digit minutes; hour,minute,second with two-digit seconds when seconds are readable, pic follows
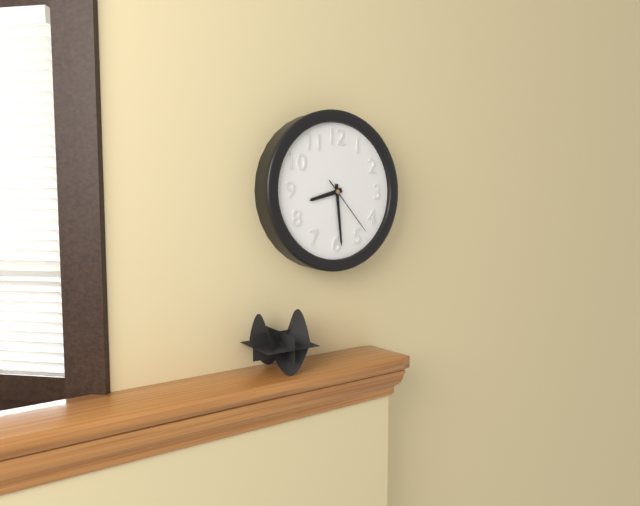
8,29,23
